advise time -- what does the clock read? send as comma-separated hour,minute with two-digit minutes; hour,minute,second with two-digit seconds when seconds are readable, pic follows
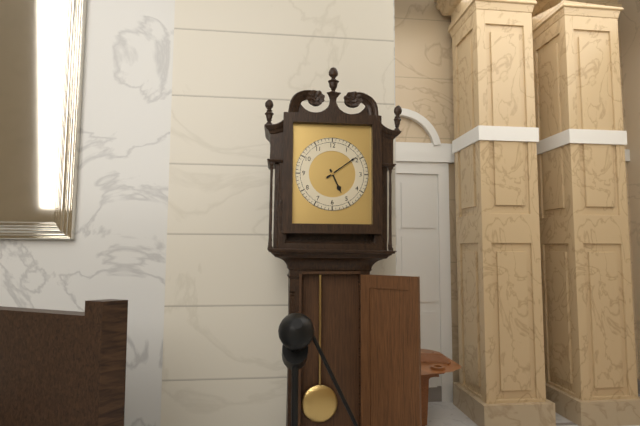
5,09
